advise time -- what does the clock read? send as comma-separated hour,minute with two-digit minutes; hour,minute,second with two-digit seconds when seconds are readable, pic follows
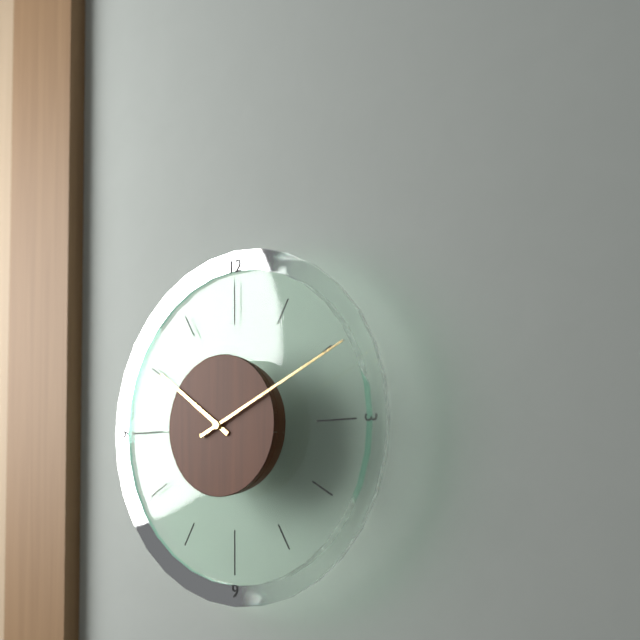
10,11
